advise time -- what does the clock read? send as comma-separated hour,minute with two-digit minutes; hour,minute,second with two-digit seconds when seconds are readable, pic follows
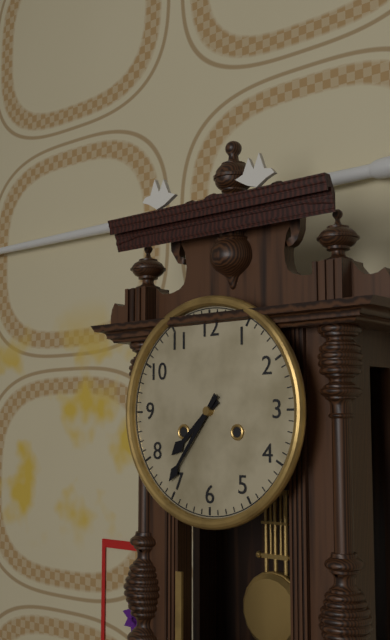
7,36
